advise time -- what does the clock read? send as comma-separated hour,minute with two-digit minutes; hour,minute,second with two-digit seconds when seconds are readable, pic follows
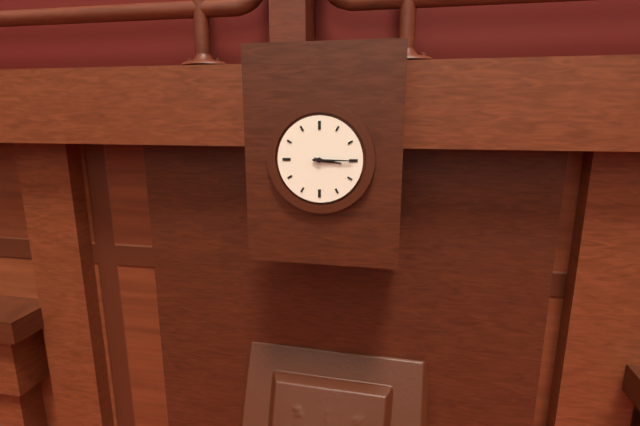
3,15
